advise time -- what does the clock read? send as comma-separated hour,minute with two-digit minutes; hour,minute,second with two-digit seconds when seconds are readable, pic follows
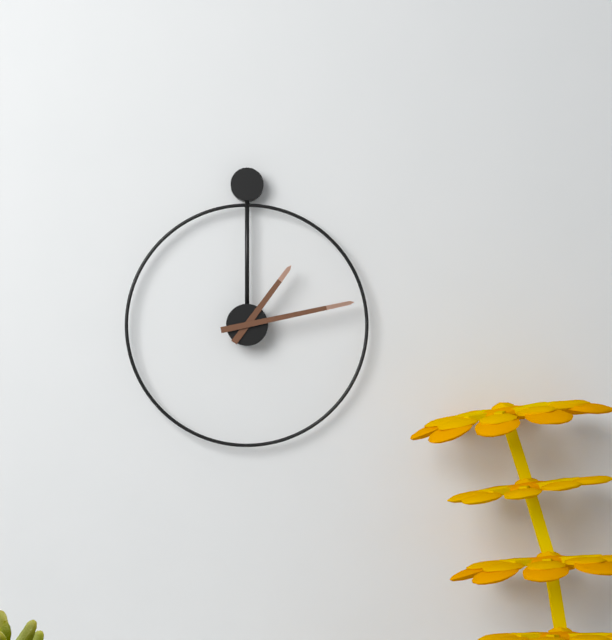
1,13
